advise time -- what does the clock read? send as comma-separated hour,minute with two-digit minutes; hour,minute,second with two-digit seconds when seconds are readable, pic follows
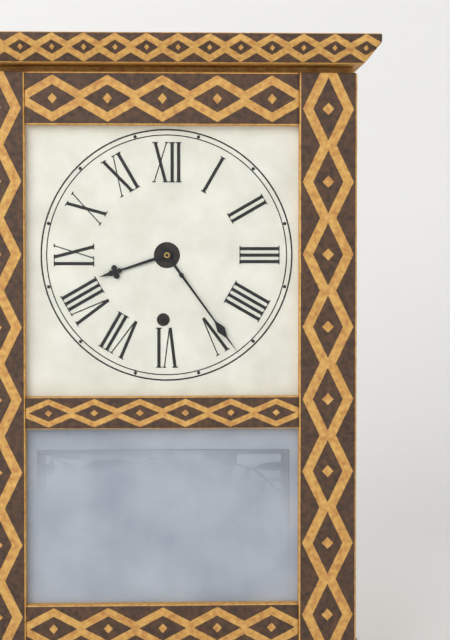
8,24
